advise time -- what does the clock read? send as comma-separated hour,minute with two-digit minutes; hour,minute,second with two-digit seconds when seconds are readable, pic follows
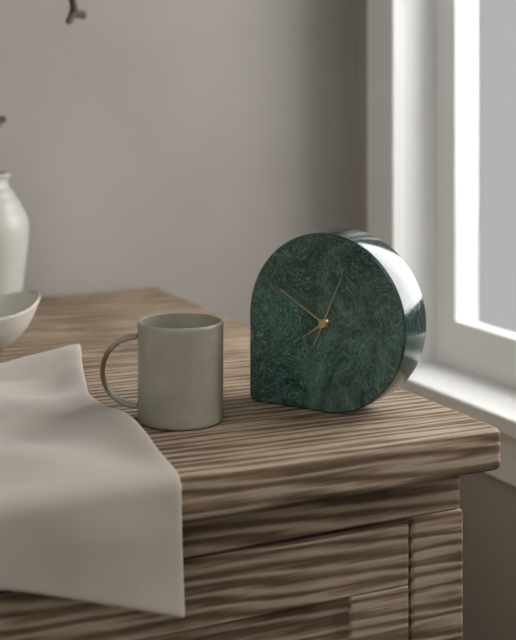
7,50,04
